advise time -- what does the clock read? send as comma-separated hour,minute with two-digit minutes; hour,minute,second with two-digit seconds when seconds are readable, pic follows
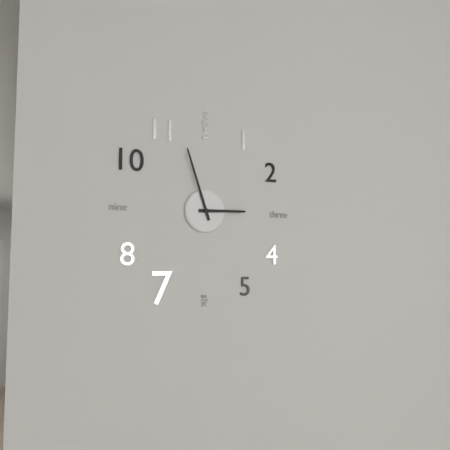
2,57
